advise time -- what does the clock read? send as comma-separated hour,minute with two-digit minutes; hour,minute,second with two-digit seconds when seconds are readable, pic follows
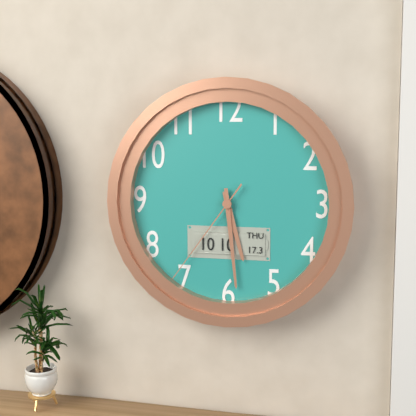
5,29,36
